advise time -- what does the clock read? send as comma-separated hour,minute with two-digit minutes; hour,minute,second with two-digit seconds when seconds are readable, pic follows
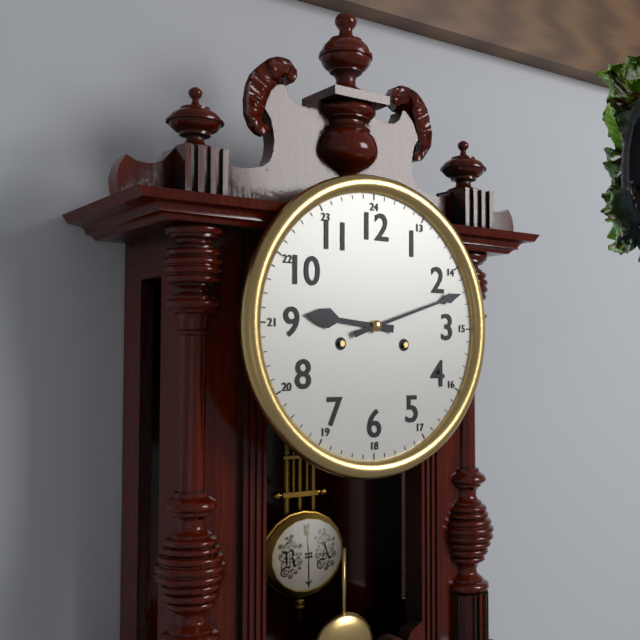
9,12
